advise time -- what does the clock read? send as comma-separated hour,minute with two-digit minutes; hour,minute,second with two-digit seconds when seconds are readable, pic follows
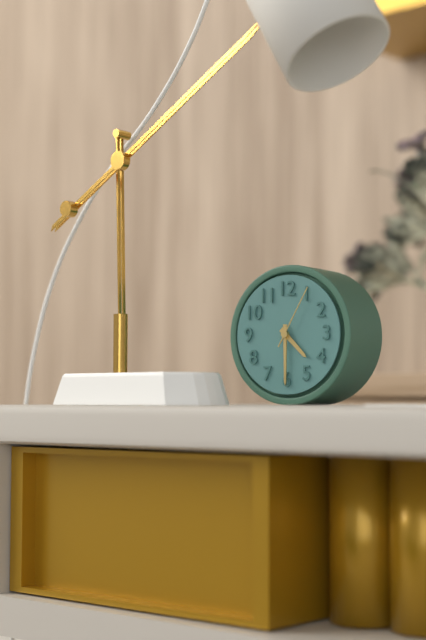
4,30,05
